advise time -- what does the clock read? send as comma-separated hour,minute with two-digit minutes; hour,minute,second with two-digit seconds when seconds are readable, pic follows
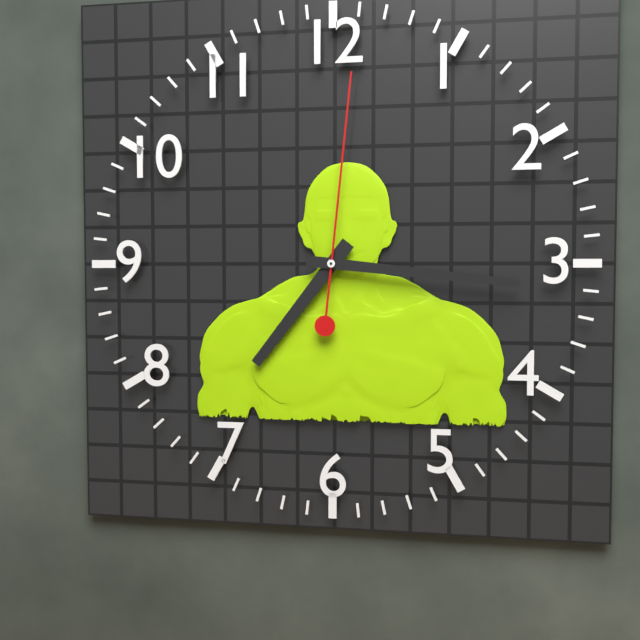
7,16,01
